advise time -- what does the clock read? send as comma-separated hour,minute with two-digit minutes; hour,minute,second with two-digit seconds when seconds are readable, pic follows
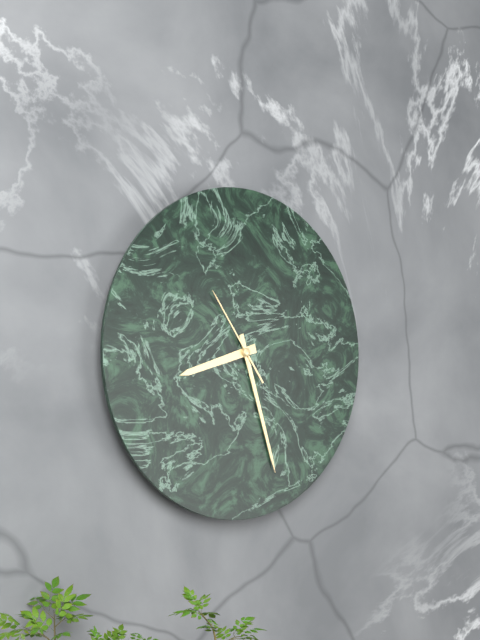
8,27,54
